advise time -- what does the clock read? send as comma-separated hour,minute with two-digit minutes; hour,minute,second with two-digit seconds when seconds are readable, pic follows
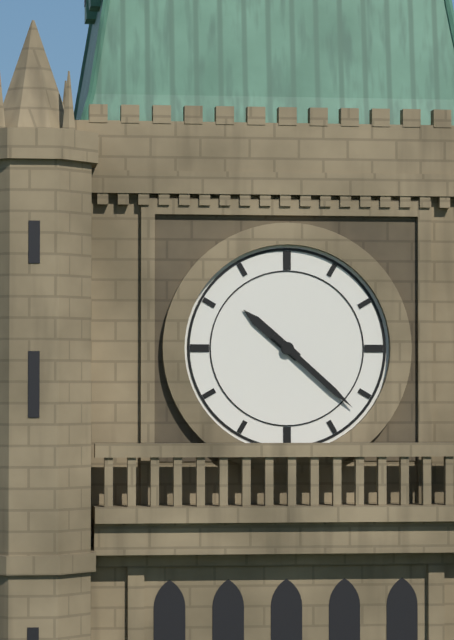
10,22
